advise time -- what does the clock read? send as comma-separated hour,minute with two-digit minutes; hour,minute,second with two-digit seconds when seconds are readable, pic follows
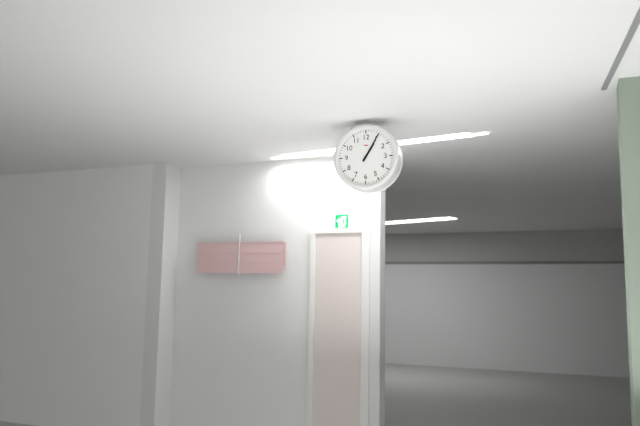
1,05
